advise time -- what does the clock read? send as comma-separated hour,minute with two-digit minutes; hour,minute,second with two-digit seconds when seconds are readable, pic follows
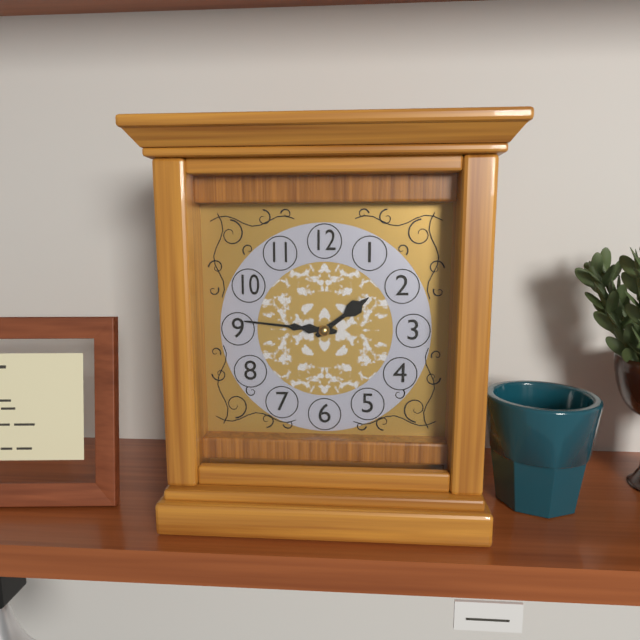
1,46
